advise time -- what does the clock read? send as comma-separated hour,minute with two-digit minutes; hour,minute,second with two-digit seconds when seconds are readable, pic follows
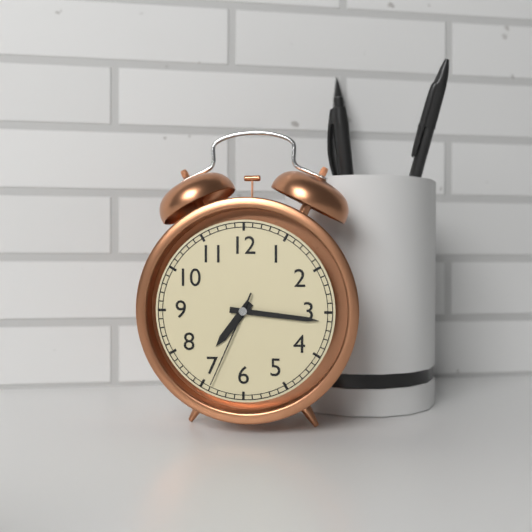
7,16,34
